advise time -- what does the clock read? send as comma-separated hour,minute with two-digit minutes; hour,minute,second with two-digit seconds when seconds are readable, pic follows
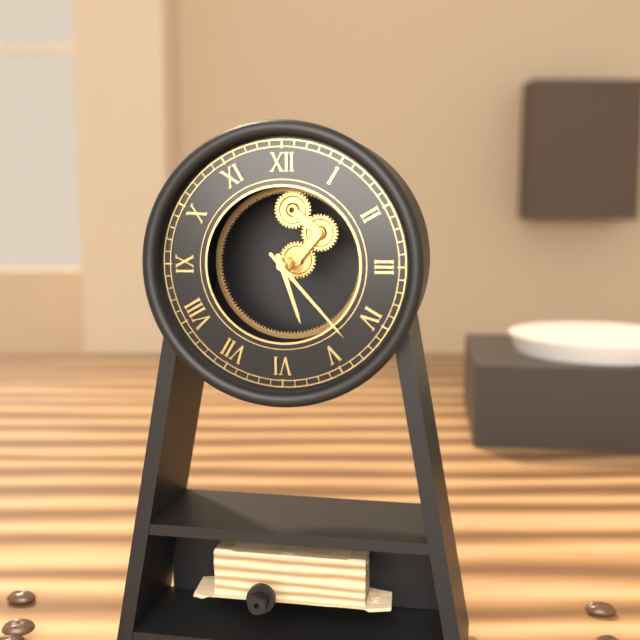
5,23
